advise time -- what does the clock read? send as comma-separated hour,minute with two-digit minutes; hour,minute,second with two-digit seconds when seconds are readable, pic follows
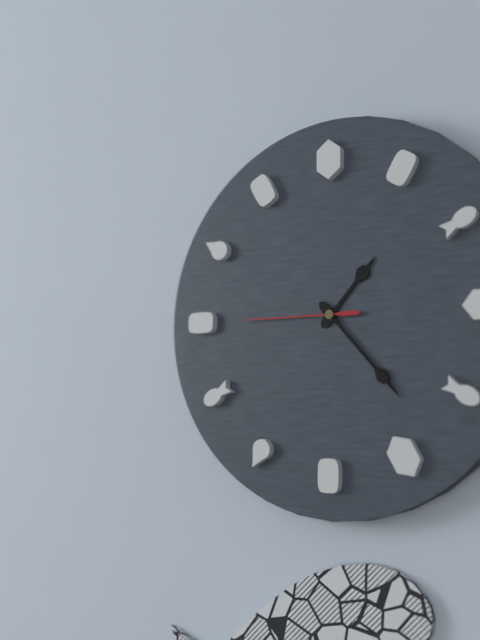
1,23,45
